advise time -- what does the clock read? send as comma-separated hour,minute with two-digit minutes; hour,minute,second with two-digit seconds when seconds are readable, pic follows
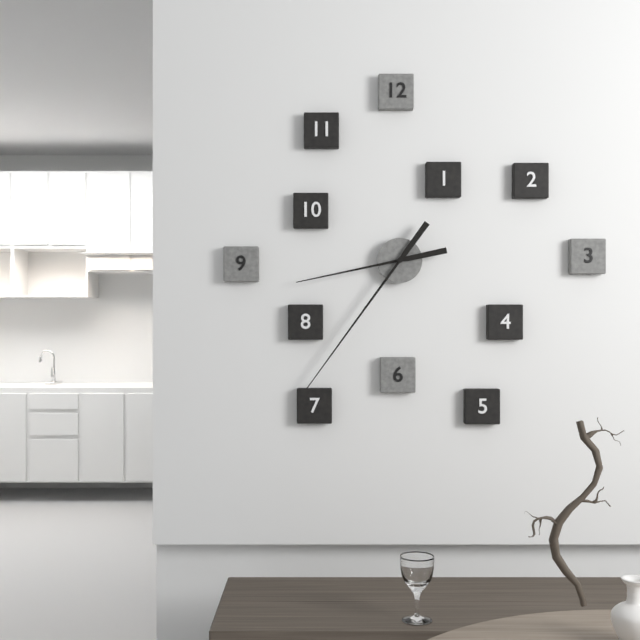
8,36
